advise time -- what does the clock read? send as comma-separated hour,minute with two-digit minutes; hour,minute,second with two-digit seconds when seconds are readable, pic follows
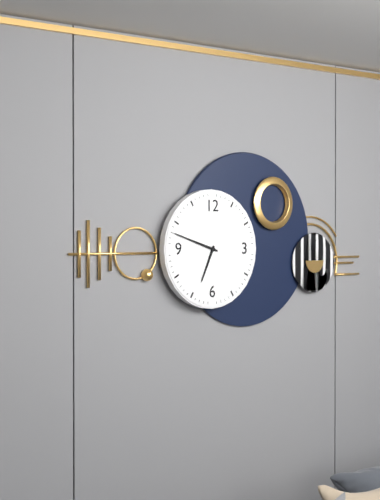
6,48
